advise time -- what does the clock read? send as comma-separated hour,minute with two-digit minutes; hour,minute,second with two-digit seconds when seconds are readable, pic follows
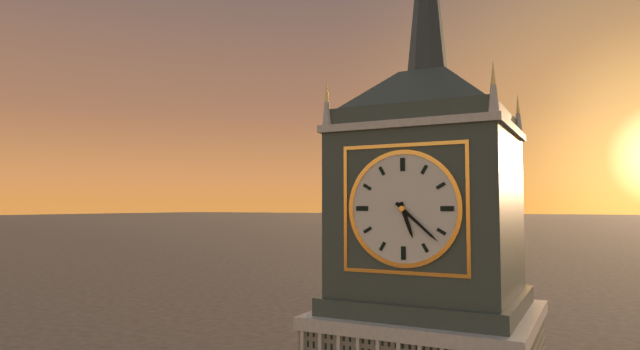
5,22
